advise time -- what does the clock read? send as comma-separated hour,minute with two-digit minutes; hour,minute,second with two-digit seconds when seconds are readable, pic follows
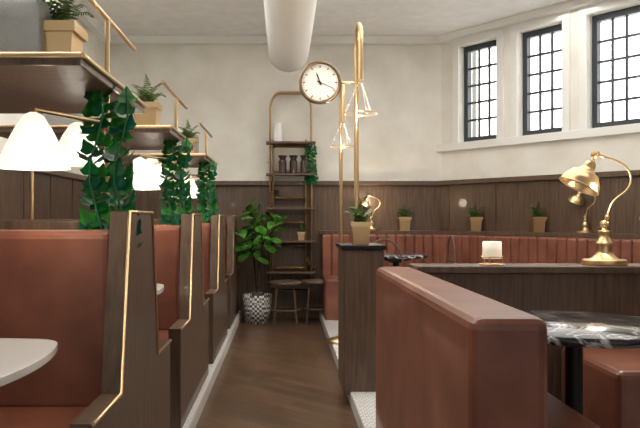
11,19
